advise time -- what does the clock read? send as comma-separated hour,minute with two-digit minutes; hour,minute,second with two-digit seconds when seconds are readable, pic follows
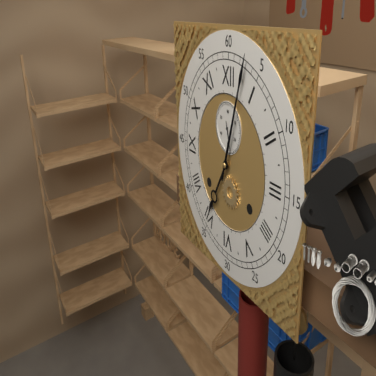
7,03
